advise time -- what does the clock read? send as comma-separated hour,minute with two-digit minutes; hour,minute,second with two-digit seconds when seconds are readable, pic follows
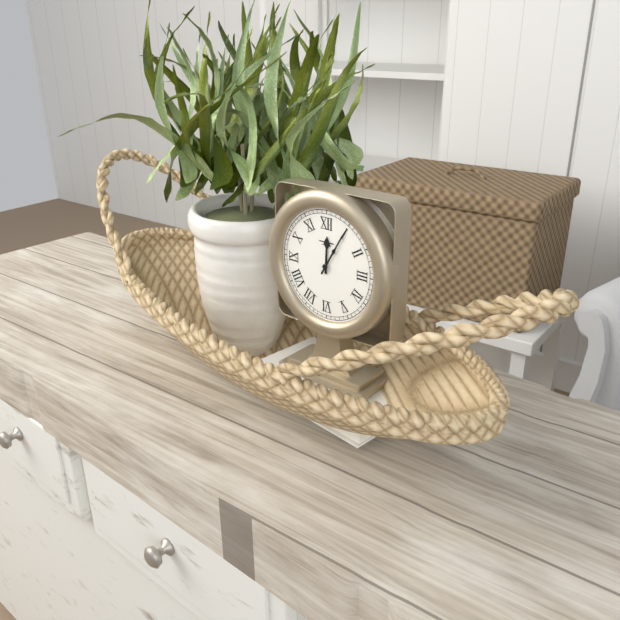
12,05
